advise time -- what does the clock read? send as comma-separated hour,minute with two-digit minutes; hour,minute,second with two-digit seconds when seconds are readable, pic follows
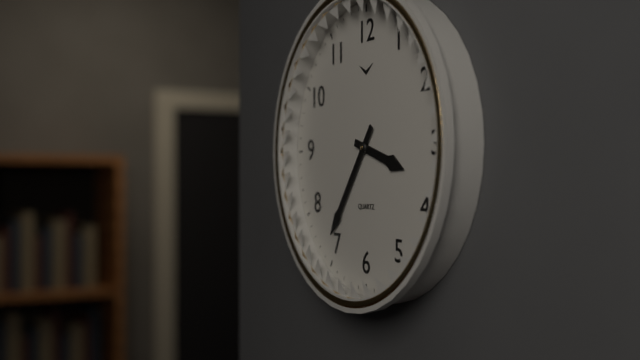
3,36
